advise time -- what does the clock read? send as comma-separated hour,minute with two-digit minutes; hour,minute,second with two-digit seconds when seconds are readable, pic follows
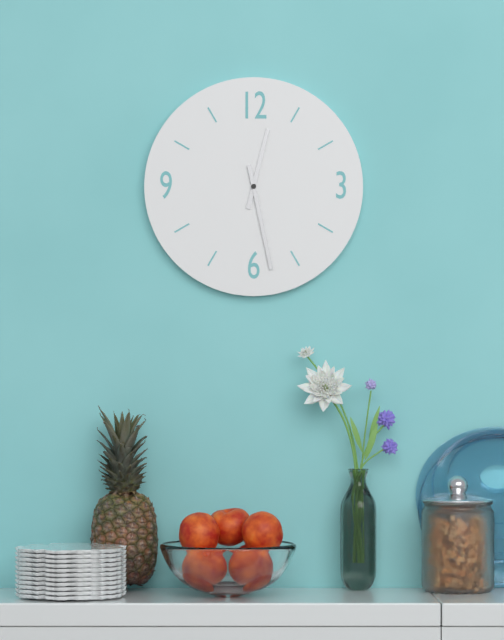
12,28
